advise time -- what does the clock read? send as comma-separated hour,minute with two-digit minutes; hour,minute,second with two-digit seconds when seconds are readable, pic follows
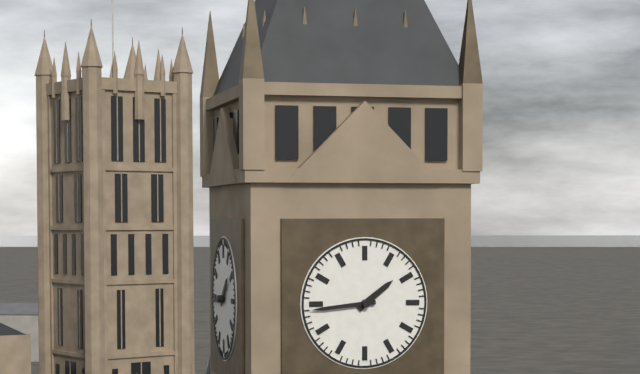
1,44
